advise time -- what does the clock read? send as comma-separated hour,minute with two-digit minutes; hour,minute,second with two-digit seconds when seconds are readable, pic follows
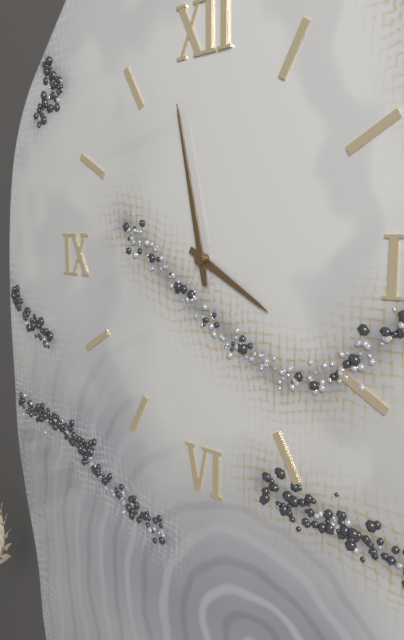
3,58
